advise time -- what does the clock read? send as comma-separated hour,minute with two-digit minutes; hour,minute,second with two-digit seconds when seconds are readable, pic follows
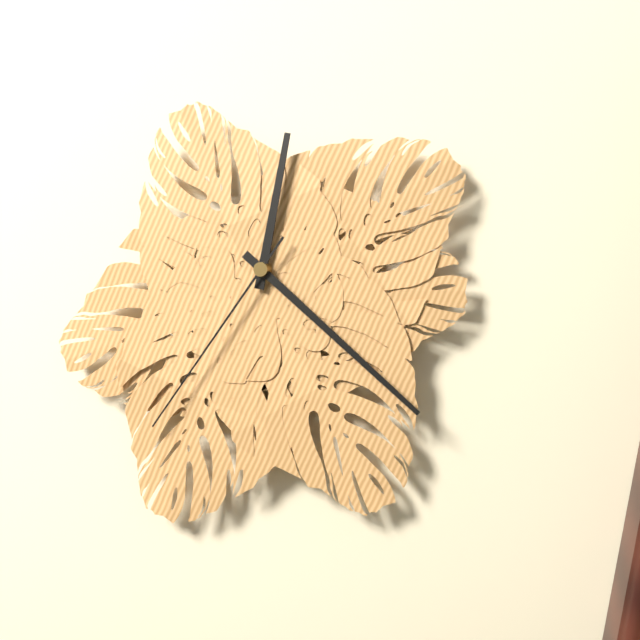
12,22,36
